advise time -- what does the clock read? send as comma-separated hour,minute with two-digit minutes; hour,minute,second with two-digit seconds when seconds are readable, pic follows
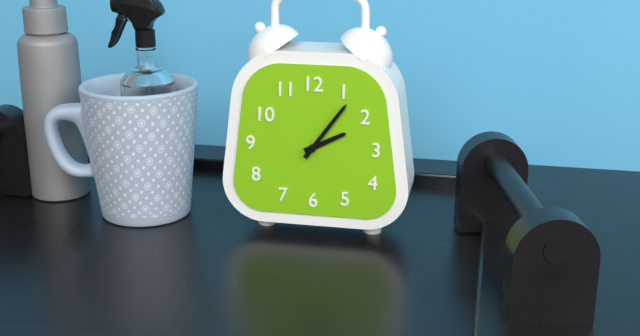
2,06
